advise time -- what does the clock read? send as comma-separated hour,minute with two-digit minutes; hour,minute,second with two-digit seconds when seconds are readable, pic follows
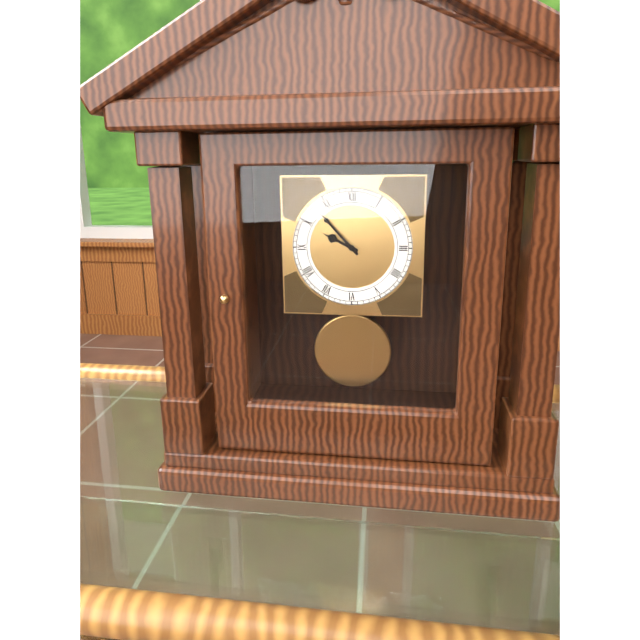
9,53
